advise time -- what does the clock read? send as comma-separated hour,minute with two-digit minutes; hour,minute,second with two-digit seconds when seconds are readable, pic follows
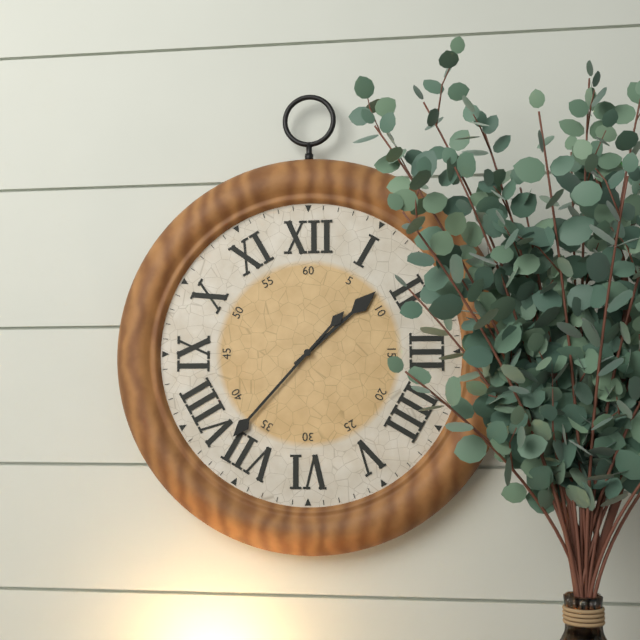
1,37
